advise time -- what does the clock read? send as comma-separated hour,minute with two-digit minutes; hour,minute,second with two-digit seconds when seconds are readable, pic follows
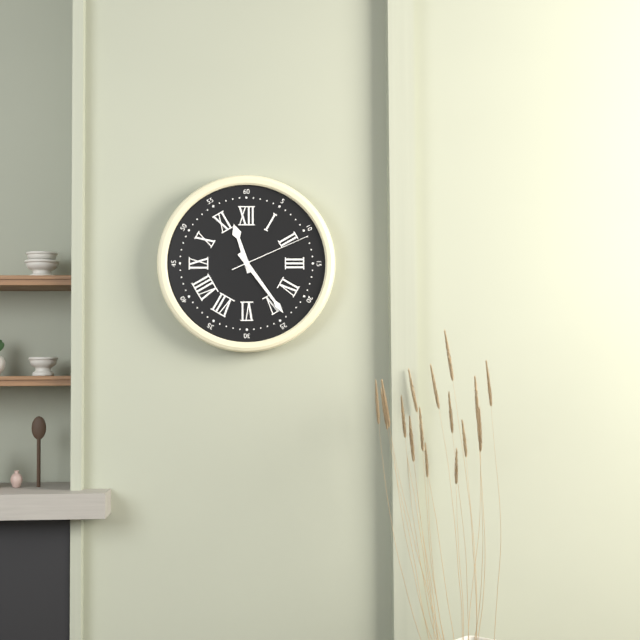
11,24,11
